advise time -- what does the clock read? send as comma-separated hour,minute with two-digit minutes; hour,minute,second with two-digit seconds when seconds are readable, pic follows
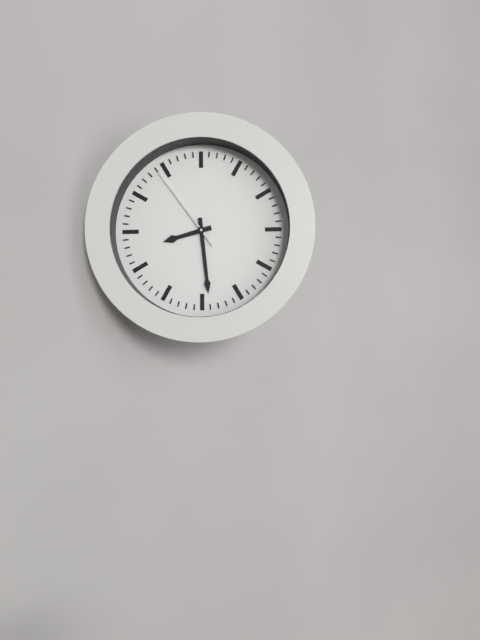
8,29,54
